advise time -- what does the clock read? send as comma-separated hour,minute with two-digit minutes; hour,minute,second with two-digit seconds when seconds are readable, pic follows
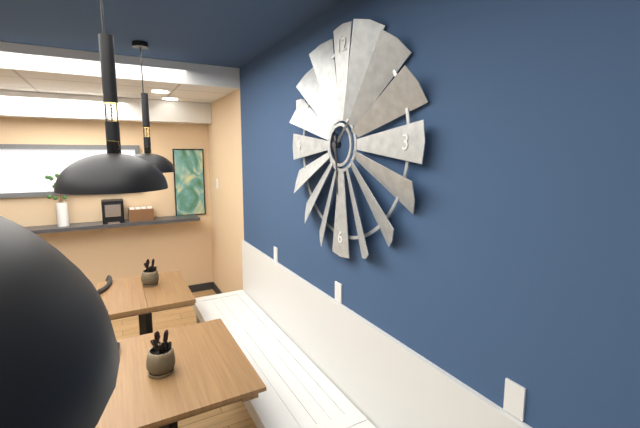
1,29
